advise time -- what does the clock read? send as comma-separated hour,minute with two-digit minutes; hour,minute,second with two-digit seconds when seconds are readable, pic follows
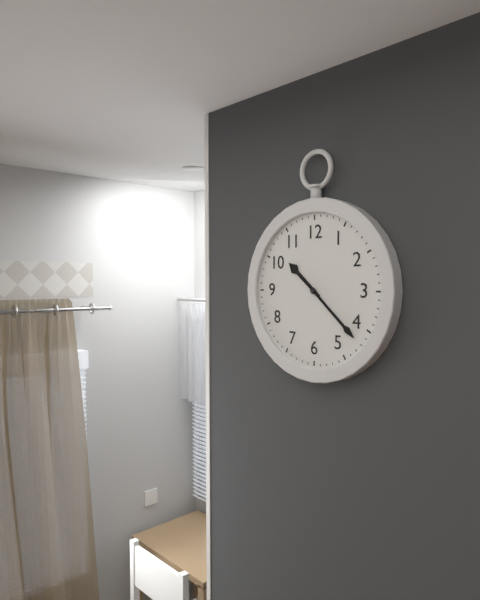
10,22
